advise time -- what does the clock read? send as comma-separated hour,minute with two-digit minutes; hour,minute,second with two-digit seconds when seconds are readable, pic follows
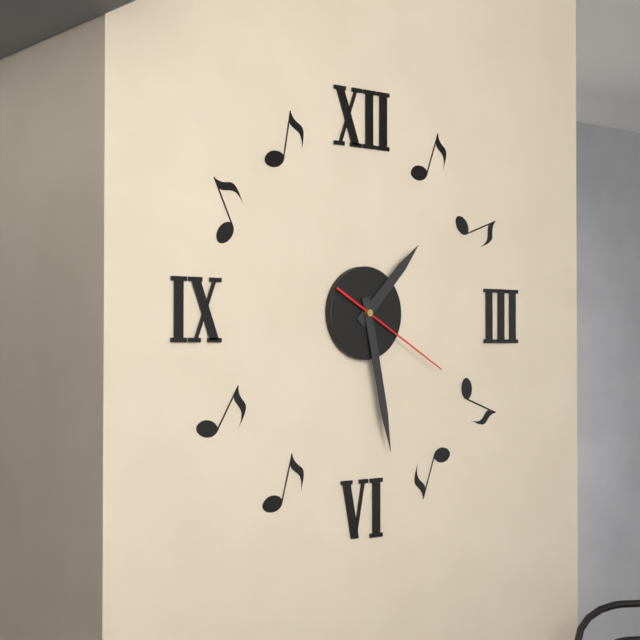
1,28,20
